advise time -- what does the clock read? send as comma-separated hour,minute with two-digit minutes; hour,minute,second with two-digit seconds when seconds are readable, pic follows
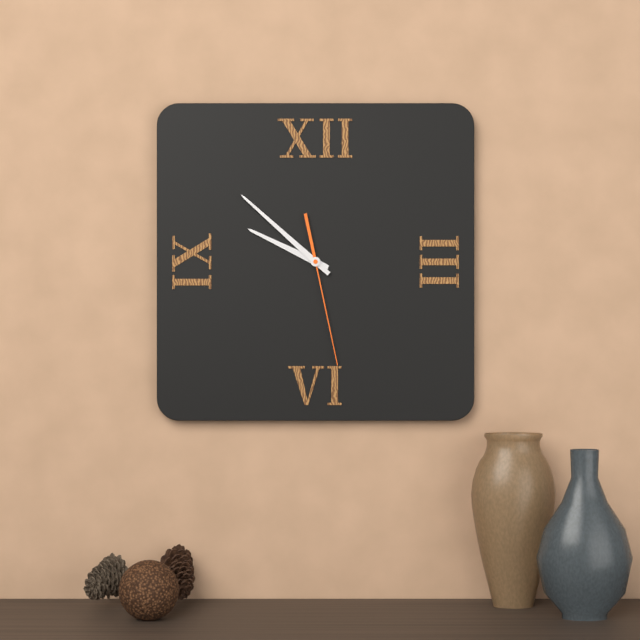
9,52,28
